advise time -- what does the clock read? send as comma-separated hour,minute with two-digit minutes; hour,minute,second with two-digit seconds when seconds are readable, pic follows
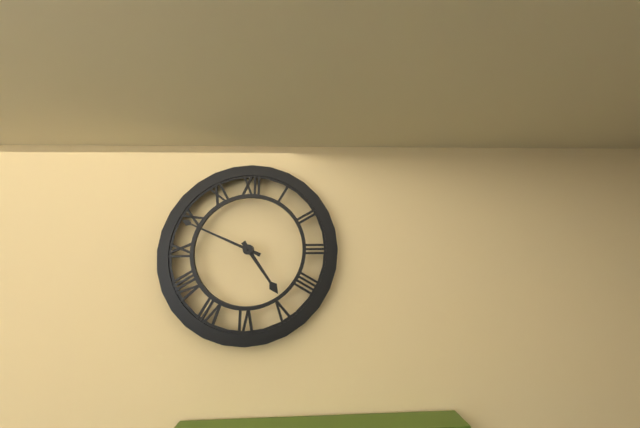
4,49
